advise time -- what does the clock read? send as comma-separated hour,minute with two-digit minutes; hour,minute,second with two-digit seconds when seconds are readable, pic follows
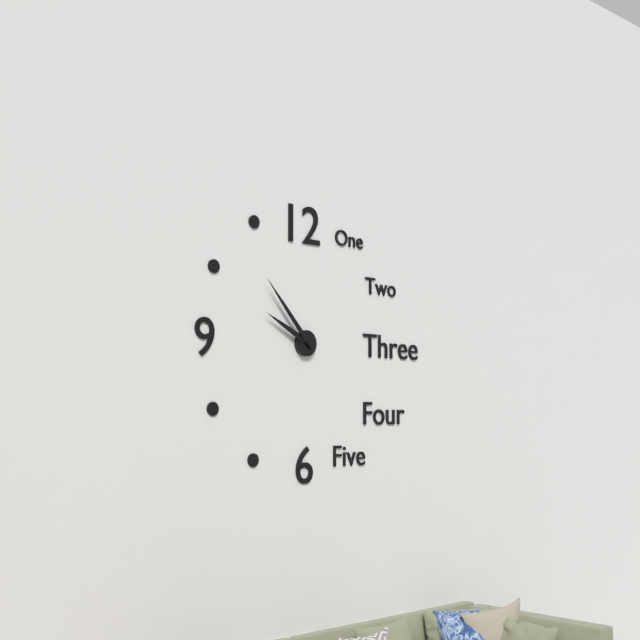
9,53
